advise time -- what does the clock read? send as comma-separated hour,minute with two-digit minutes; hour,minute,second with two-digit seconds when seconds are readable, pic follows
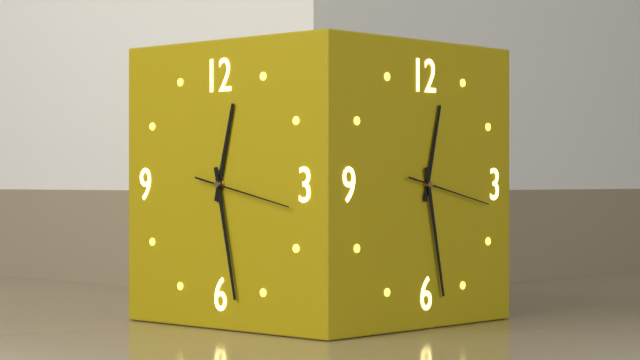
12,28,17
